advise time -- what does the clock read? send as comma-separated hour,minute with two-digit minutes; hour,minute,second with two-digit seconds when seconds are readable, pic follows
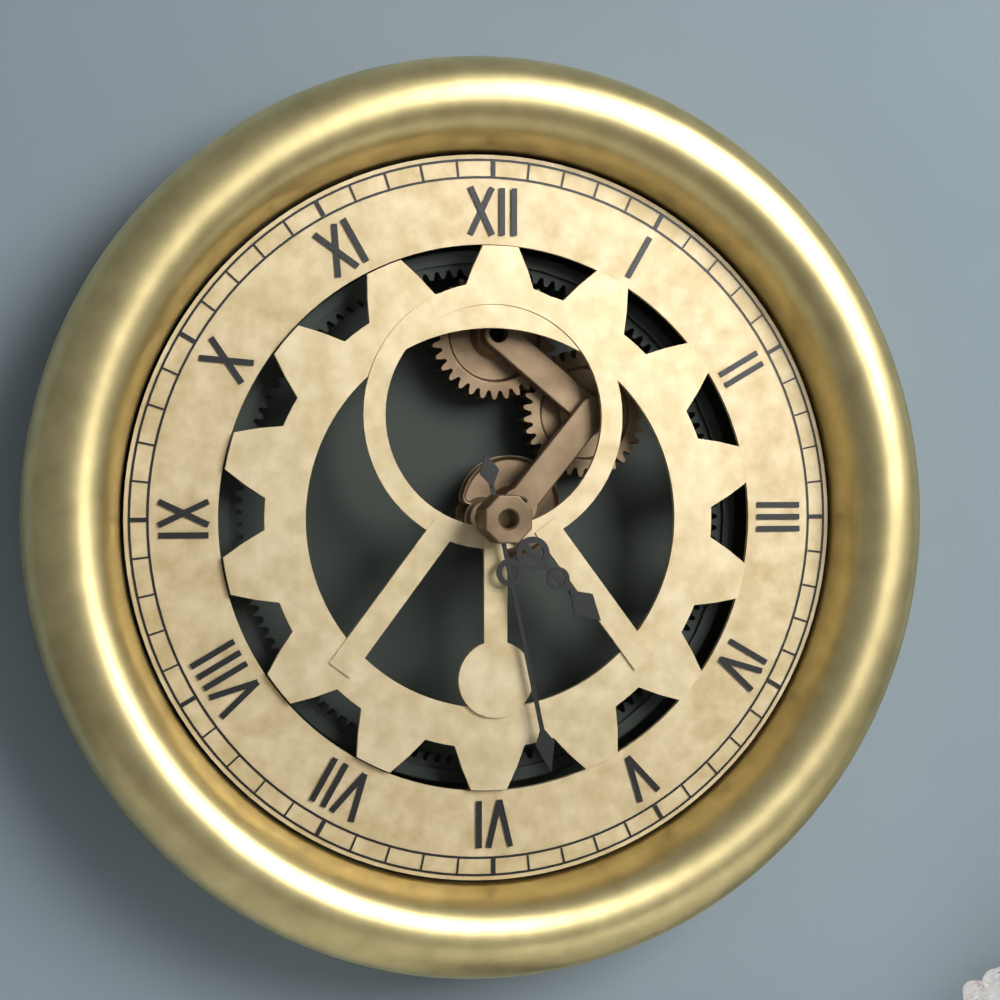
4,28
